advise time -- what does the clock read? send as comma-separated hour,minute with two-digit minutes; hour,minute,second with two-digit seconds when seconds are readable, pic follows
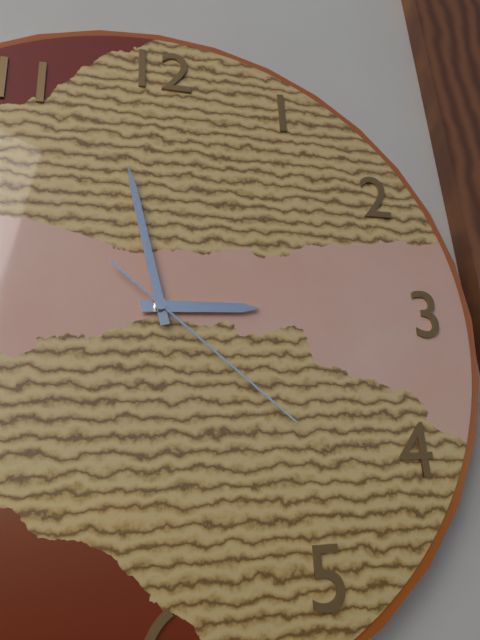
2,58,22
